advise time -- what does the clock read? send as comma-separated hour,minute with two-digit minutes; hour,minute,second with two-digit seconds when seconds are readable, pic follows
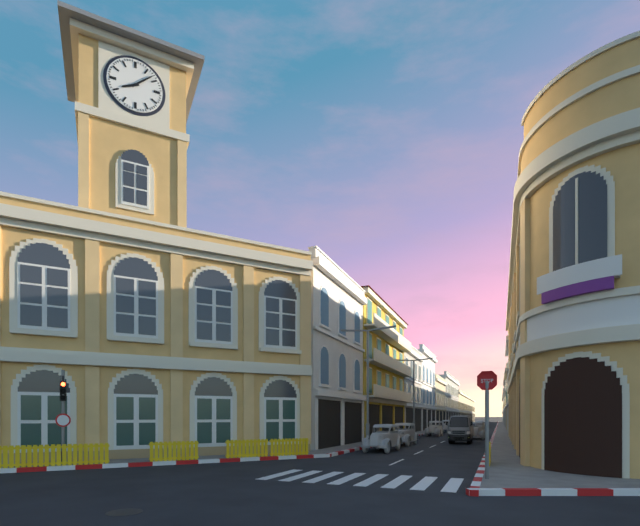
8,08
